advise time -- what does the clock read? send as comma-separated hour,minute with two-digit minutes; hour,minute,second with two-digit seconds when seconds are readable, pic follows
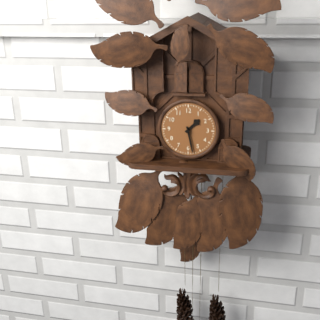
1,28
